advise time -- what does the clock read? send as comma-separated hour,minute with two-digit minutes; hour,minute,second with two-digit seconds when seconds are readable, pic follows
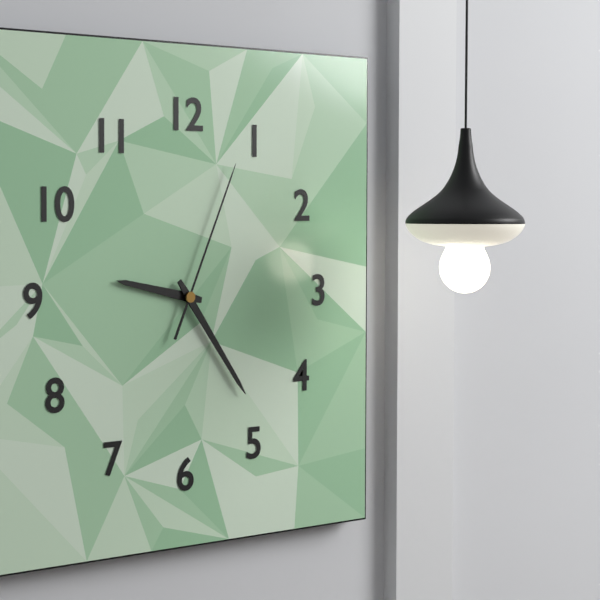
9,24,04
